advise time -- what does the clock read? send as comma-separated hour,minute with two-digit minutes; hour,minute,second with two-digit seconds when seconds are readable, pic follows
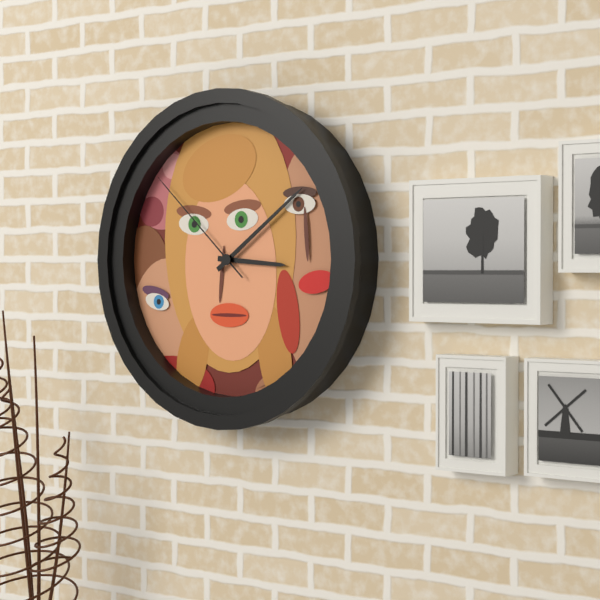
3,09,52
